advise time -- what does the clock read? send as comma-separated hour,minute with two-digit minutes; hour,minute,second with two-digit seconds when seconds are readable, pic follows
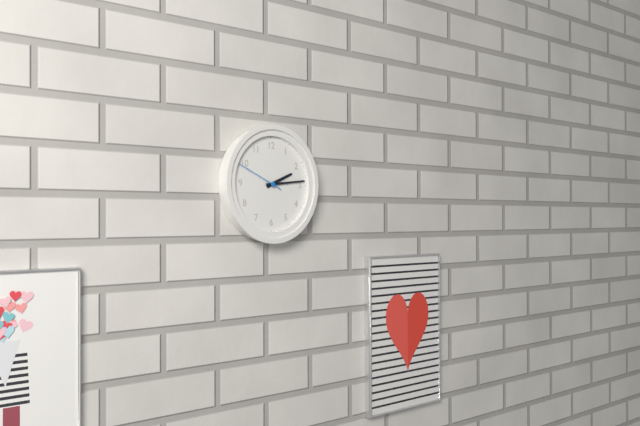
2,14
